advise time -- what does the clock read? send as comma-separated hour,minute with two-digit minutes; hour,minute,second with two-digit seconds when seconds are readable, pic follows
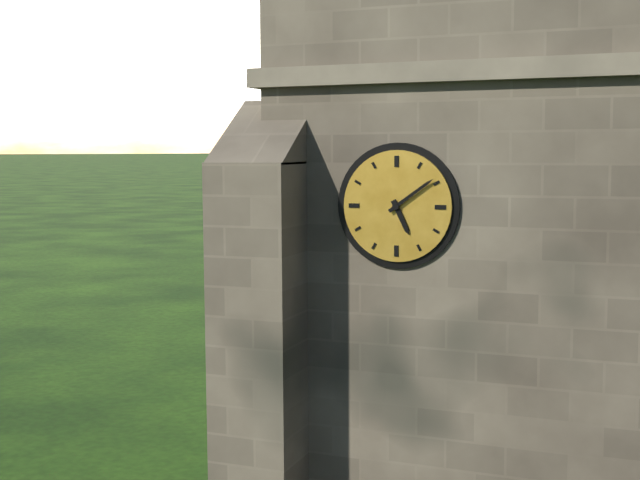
5,09
